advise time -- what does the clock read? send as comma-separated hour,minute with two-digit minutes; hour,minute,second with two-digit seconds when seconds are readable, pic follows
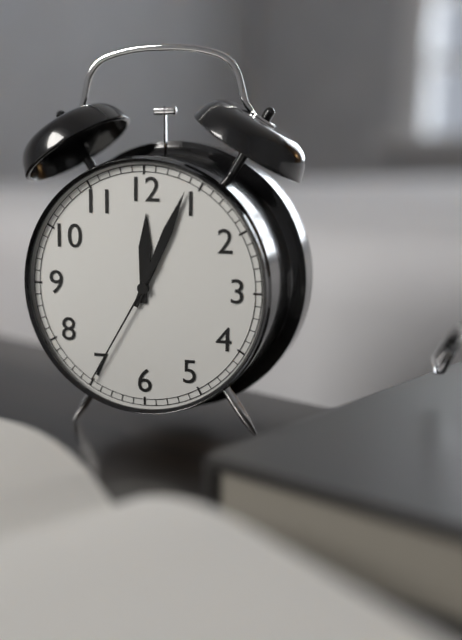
12,04,35
